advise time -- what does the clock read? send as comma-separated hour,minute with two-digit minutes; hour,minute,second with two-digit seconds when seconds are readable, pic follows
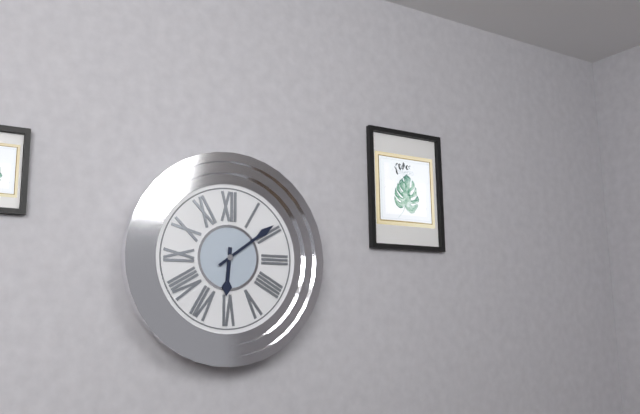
6,09
